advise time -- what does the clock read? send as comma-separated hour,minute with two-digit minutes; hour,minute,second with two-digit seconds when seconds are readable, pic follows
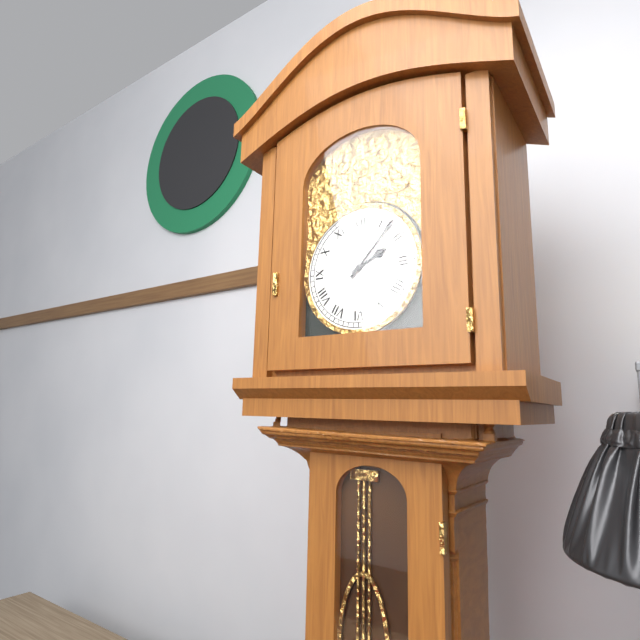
2,07
